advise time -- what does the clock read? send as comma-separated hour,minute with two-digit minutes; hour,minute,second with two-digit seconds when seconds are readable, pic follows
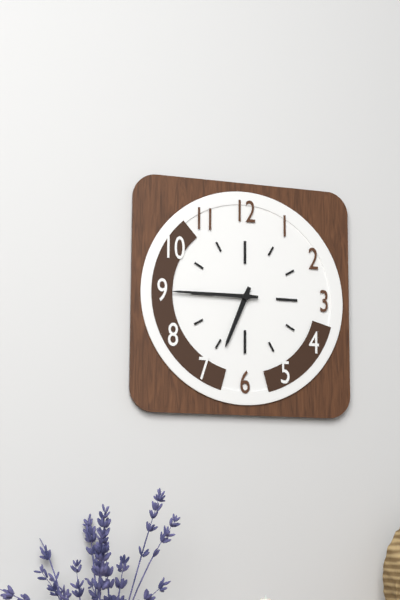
6,45
